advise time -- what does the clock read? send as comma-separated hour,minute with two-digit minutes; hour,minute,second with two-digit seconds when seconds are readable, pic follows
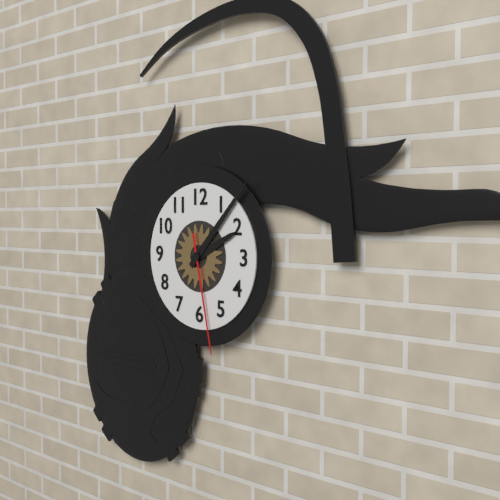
2,07,28
